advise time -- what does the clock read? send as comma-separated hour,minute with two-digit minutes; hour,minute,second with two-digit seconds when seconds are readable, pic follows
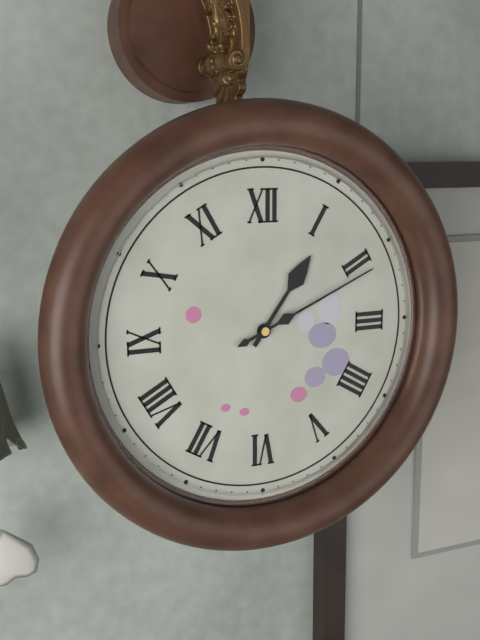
1,11
